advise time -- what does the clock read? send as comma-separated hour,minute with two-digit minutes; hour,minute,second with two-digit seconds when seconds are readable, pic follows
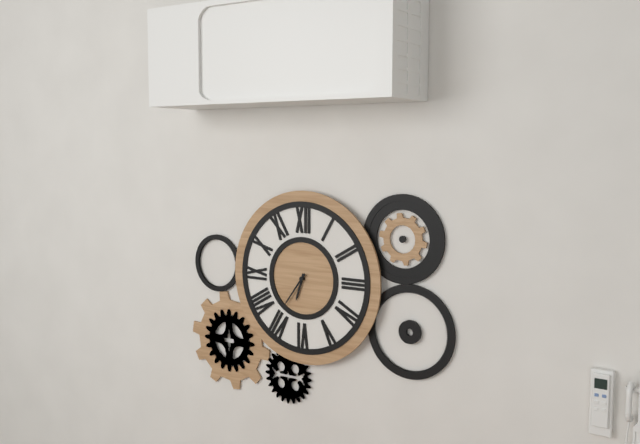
6,36
